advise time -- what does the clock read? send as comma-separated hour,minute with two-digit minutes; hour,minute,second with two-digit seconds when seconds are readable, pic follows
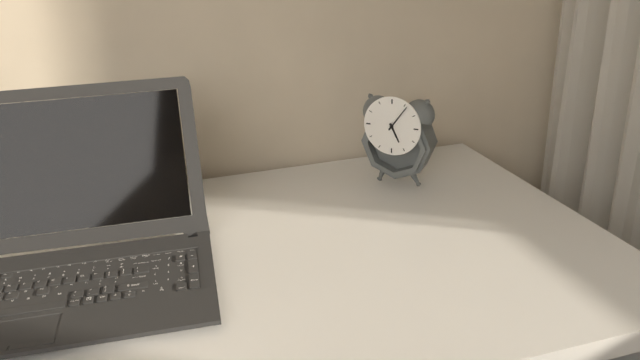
5,06
